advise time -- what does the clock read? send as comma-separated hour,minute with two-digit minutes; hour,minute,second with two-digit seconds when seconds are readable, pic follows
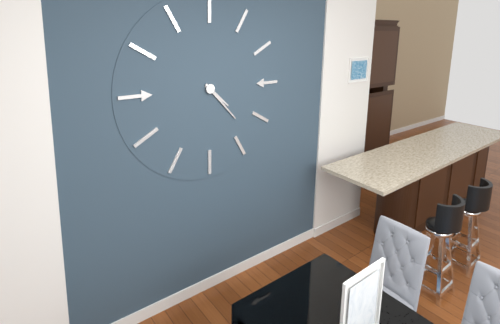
4,23
